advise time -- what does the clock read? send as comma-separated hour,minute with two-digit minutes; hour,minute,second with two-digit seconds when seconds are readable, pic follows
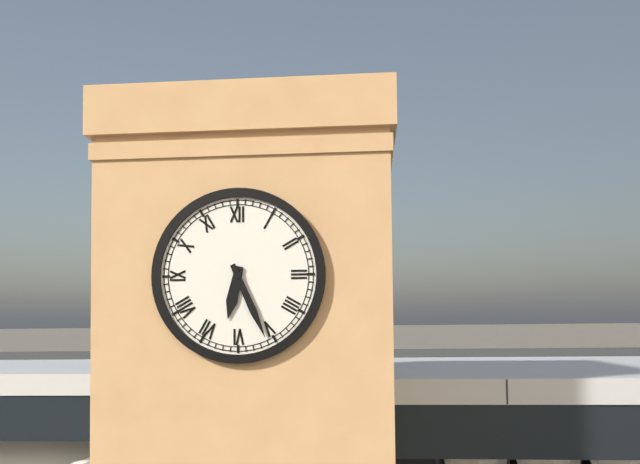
6,26
